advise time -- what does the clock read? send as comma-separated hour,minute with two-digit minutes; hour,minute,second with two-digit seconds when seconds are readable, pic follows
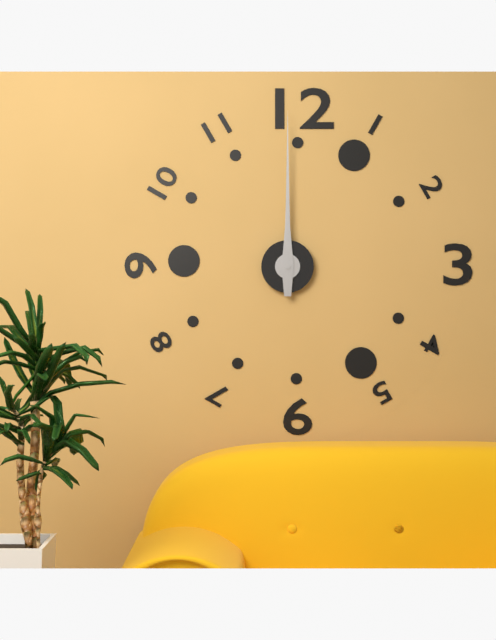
12,00
